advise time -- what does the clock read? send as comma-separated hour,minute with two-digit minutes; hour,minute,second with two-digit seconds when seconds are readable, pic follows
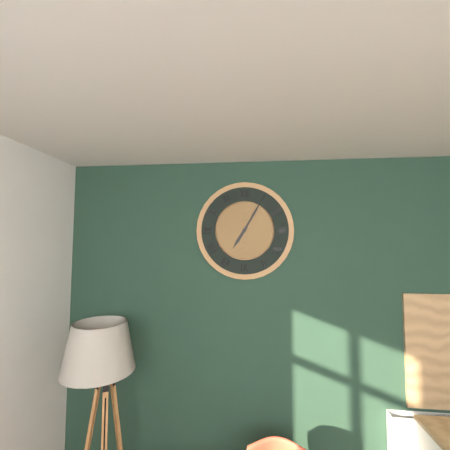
7,05
